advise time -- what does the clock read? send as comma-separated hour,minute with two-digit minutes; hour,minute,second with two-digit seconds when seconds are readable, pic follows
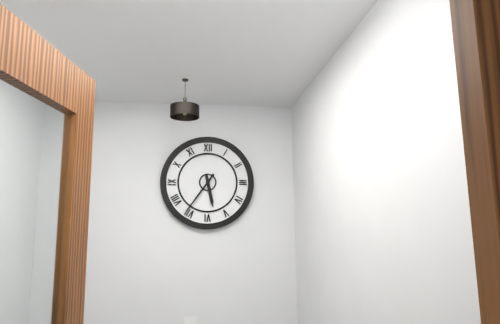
5,36
